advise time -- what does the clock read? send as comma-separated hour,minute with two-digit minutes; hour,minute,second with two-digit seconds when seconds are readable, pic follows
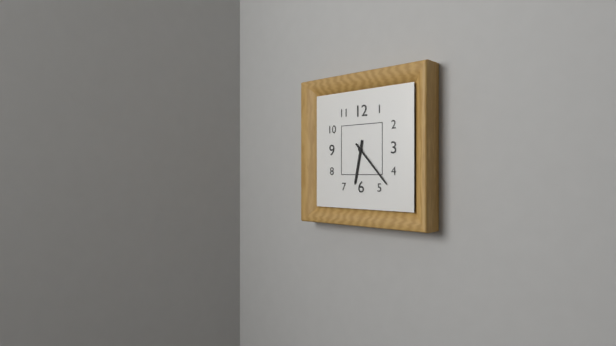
6,23
